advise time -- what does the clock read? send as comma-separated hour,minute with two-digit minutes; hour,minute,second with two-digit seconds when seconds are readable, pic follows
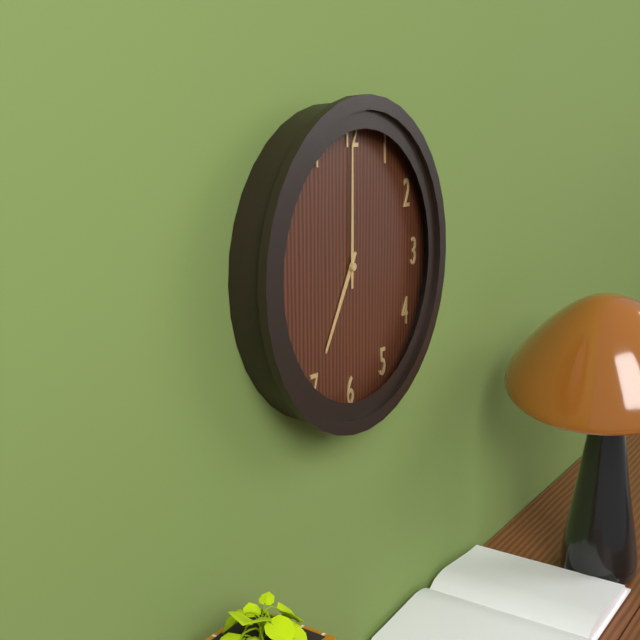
7,00
